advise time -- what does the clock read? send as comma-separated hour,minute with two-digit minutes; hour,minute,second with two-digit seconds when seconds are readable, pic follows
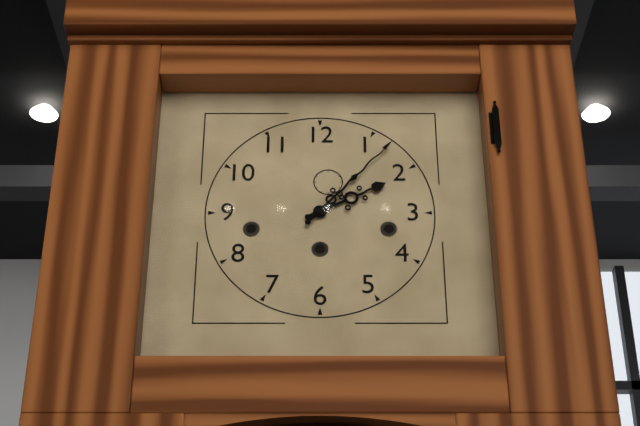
2,07
